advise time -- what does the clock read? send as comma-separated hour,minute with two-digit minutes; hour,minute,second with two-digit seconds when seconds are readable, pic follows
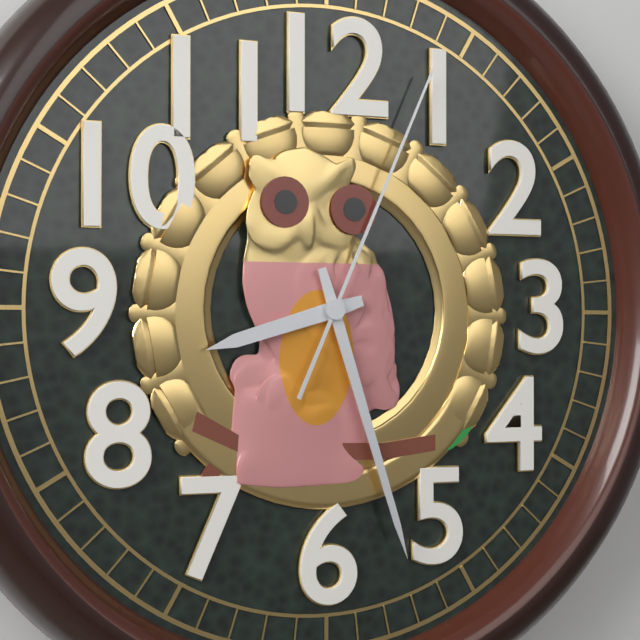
8,27,04
